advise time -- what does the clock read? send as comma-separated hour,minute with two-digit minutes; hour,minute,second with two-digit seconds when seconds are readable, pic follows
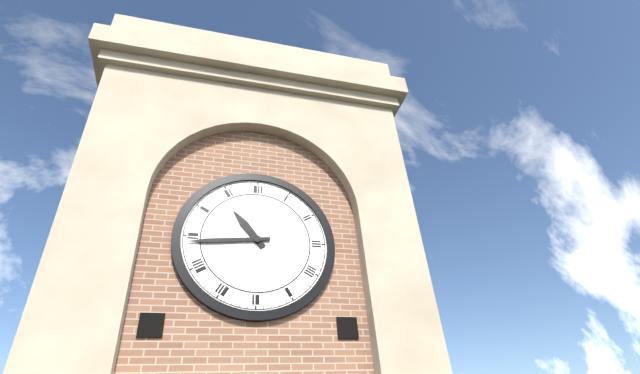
10,44
